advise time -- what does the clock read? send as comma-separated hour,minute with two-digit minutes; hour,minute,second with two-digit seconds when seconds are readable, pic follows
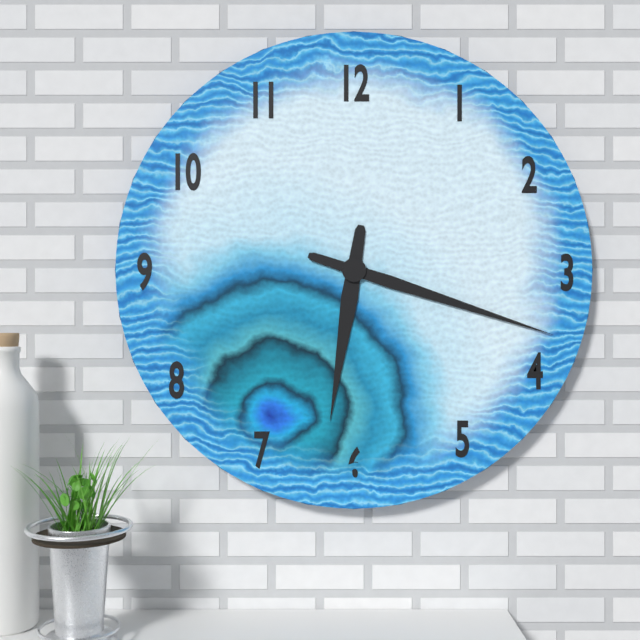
6,18
